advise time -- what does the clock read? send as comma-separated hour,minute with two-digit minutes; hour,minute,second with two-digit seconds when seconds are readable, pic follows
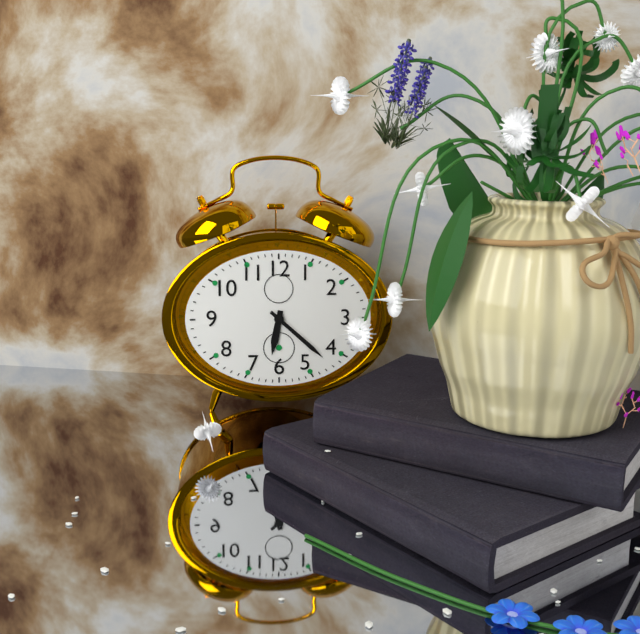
6,22
